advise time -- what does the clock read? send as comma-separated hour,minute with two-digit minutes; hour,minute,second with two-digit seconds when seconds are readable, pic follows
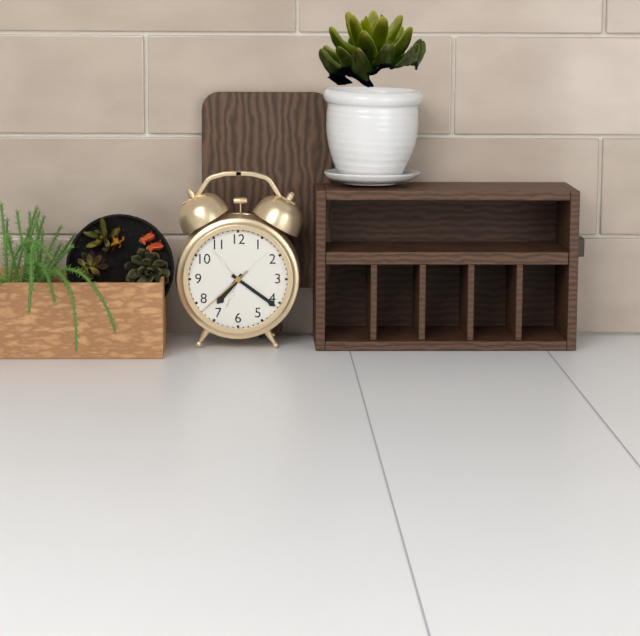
7,21,38
